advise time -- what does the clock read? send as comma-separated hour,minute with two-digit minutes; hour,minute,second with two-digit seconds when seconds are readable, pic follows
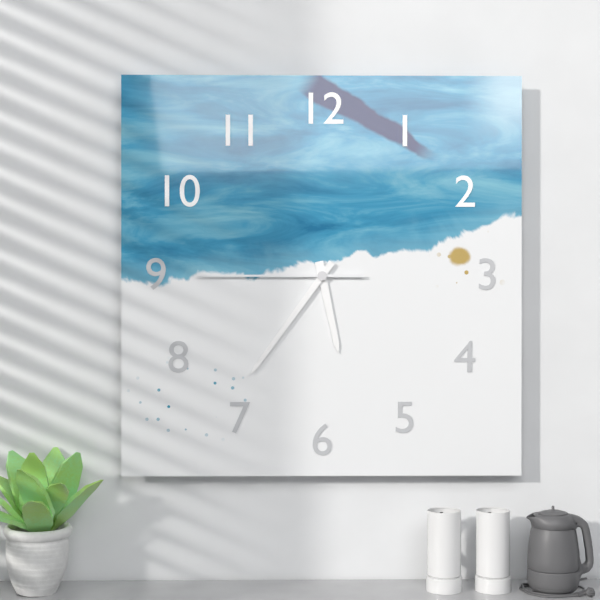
5,36,45
